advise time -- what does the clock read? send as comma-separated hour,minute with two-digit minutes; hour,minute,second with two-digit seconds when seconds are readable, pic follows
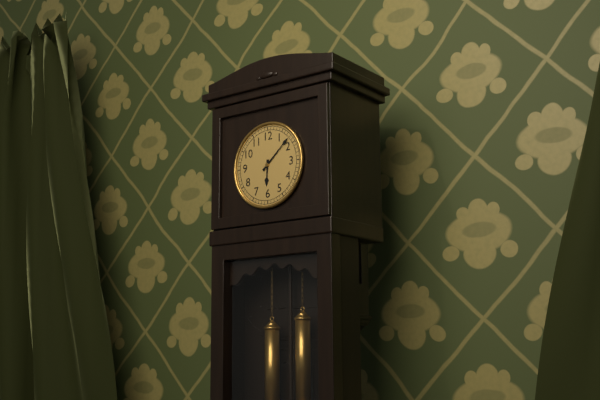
6,08
